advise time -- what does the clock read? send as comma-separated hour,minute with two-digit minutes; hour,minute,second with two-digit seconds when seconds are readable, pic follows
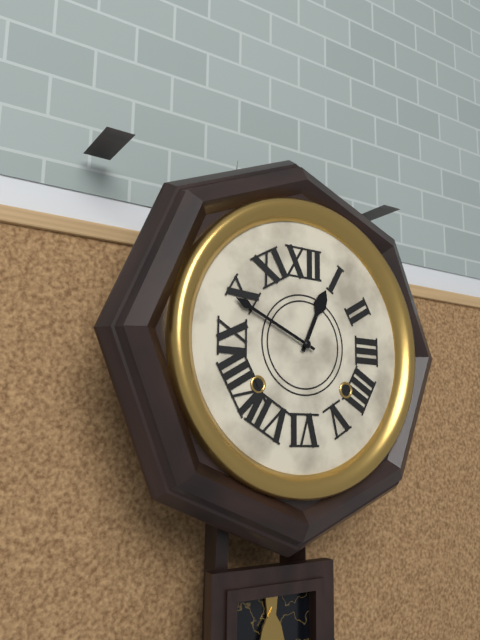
12,49
